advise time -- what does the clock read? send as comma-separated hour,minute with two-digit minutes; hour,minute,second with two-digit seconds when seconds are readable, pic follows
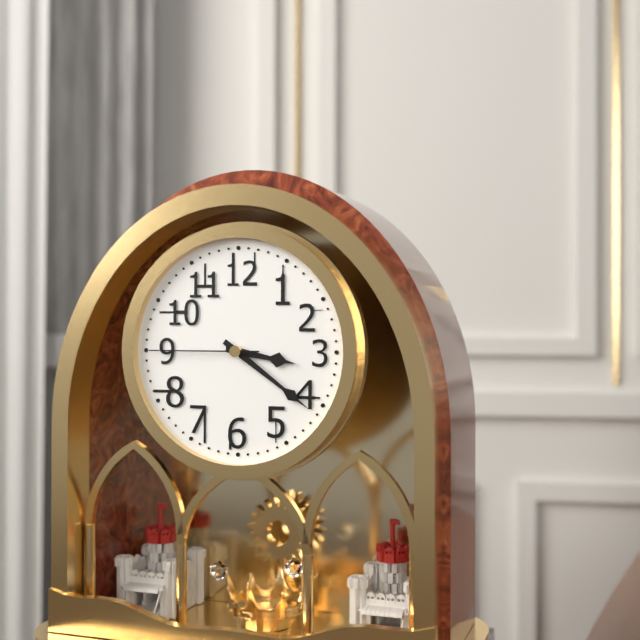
3,21,45
